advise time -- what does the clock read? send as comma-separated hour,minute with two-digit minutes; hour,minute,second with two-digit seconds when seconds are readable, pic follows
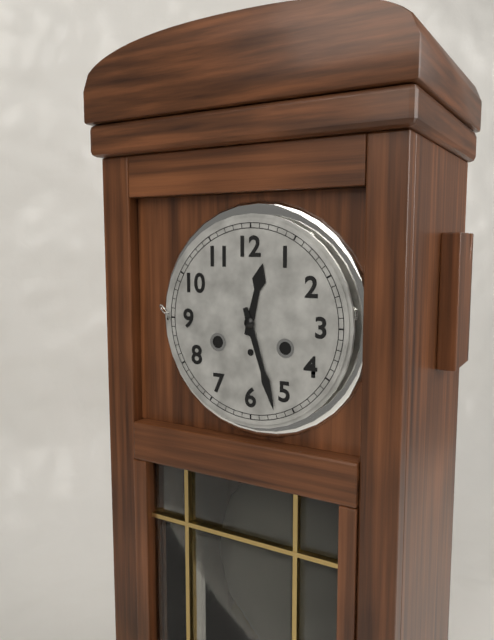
12,27
